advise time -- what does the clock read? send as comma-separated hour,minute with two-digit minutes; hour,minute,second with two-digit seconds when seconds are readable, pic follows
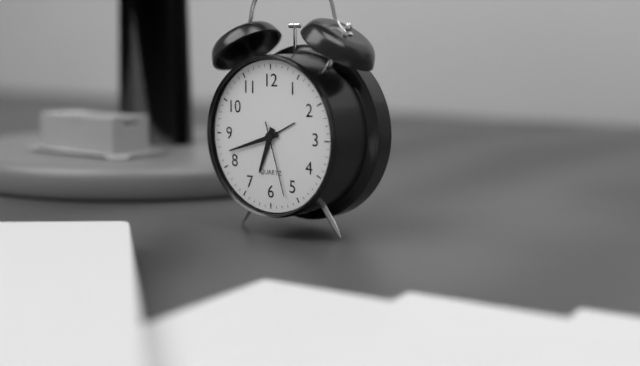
6,42,27
